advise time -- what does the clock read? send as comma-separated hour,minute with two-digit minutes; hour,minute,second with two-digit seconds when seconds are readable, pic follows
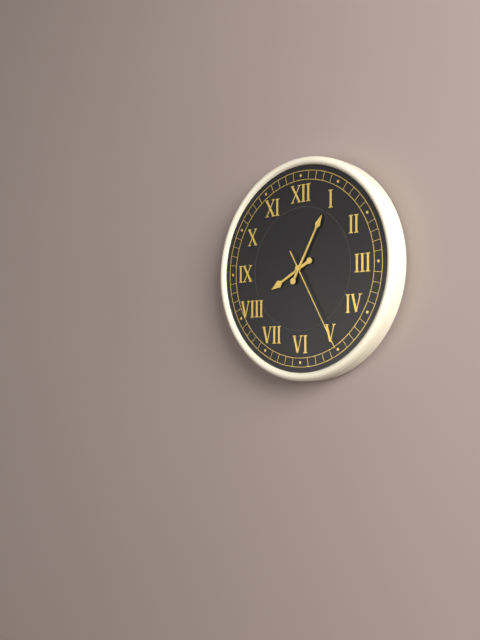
8,05,25
